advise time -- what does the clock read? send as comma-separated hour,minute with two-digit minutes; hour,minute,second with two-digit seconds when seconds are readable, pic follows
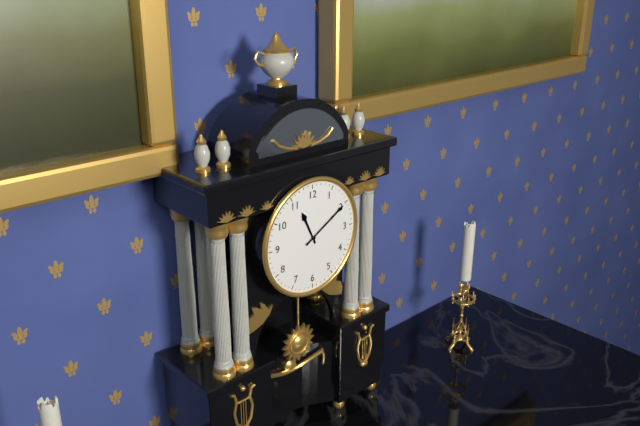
11,10
